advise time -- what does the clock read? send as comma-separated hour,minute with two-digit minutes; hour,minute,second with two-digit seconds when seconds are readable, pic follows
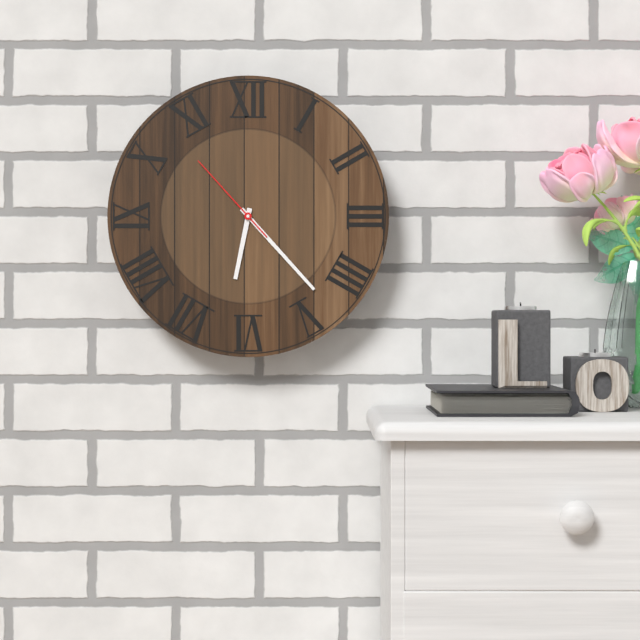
6,23,53
